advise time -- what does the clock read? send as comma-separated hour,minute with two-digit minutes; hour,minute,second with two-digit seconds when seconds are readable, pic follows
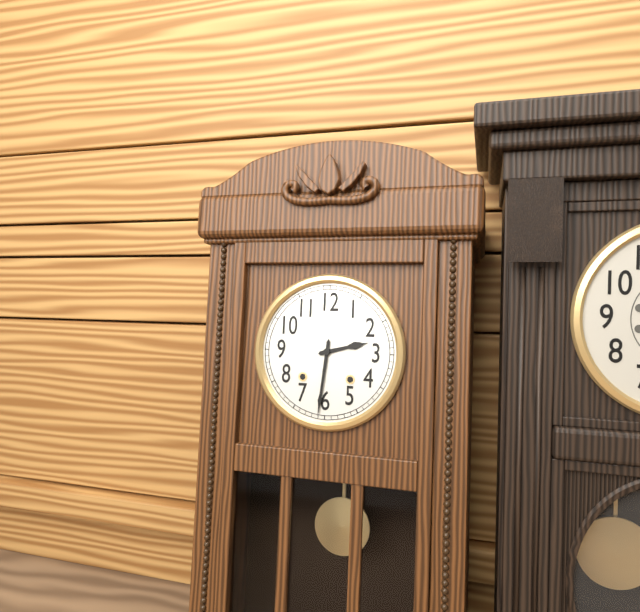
2,31
